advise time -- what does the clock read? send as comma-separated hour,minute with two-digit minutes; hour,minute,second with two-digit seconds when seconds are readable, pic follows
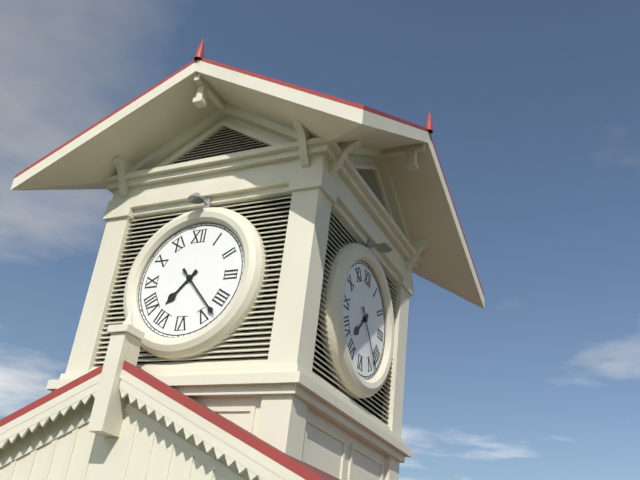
7,23
